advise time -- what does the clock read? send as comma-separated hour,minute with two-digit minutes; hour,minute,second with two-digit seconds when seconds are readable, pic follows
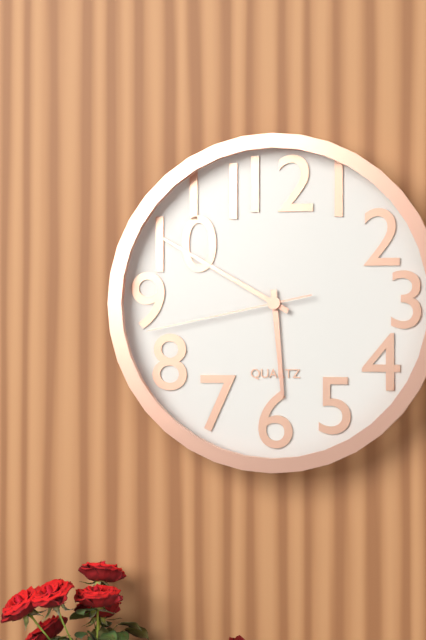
5,50,43
